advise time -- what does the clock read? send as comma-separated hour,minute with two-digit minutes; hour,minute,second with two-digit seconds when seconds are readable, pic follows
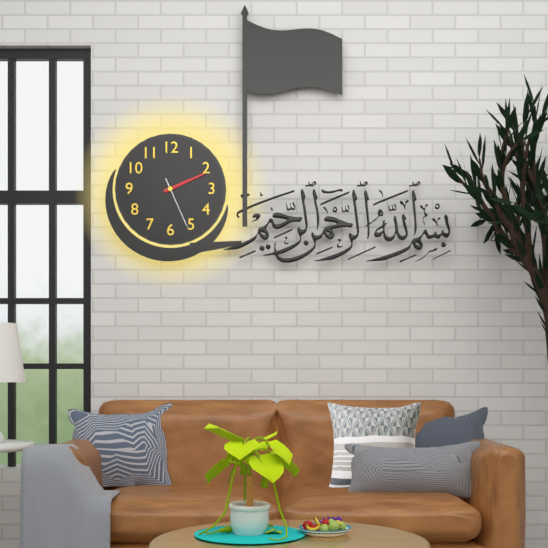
2,11,26
